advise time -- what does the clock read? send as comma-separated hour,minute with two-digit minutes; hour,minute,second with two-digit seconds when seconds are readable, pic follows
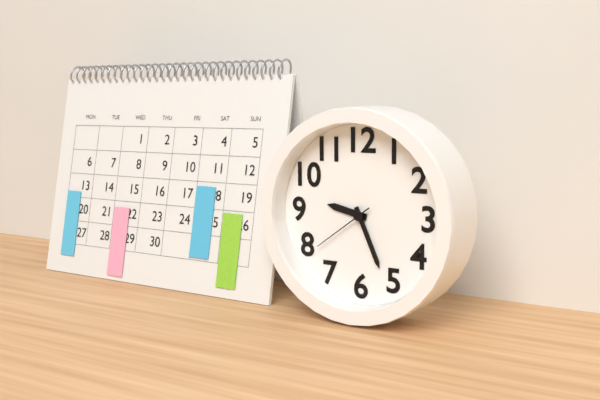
9,26,39
